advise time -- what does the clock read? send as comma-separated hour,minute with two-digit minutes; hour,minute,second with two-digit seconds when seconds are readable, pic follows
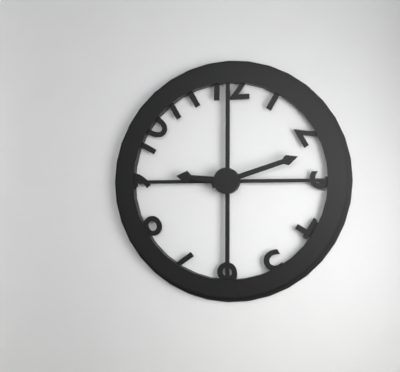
9,12
